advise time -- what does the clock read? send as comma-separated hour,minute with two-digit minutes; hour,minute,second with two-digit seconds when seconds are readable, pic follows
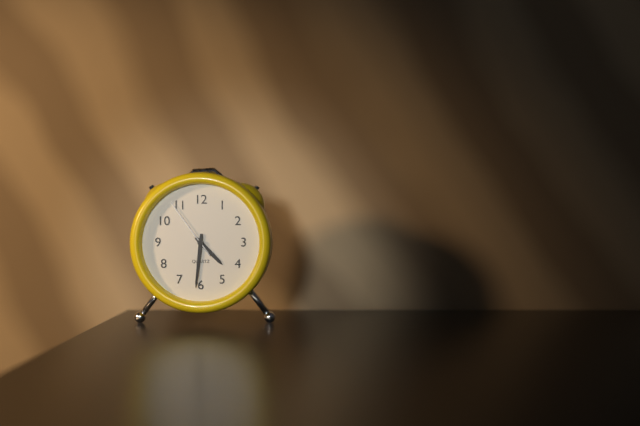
4,31,54
